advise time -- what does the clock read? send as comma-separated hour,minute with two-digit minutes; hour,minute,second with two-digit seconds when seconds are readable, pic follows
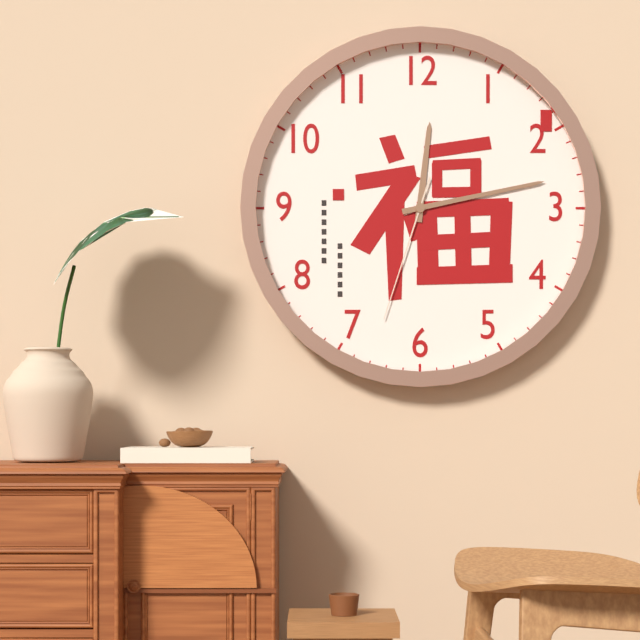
12,13,33
